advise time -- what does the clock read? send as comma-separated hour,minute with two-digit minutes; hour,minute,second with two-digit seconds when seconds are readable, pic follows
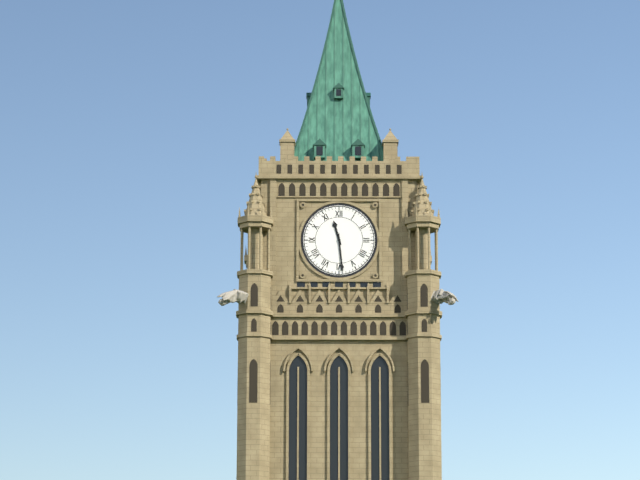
11,29
